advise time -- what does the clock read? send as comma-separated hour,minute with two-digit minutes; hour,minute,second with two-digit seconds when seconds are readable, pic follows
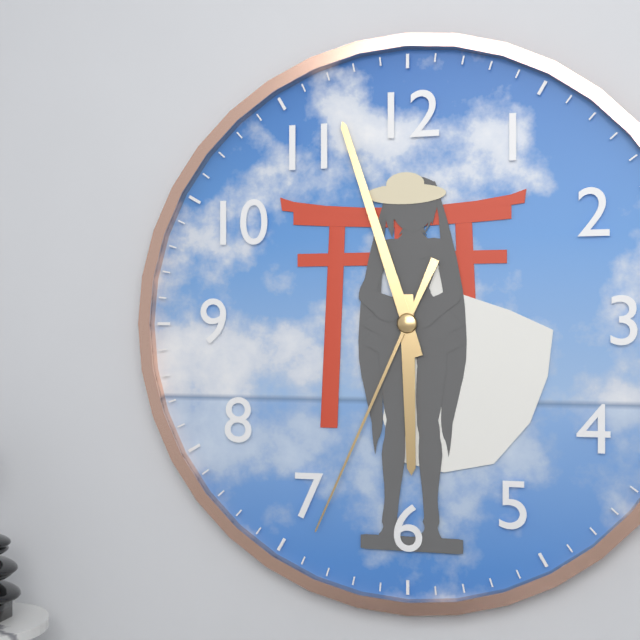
5,57,34
